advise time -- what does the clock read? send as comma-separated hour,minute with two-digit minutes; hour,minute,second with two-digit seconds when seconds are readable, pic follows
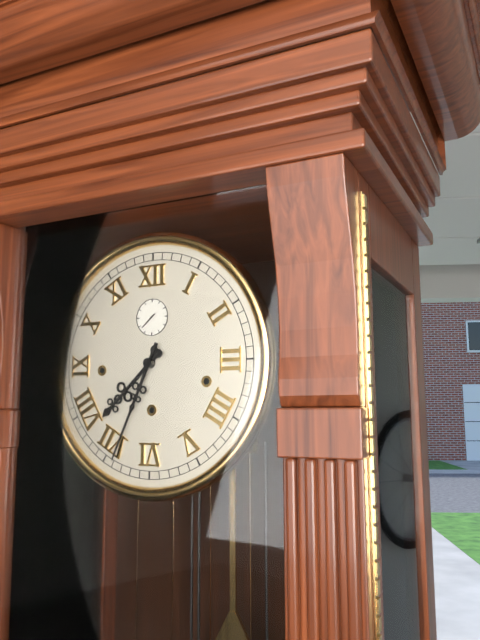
7,34
